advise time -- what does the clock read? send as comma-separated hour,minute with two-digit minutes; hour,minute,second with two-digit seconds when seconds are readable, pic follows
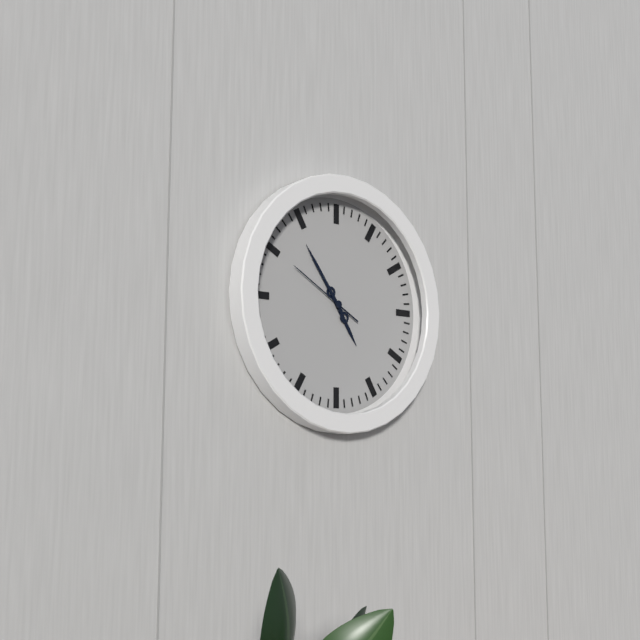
4,54,50
